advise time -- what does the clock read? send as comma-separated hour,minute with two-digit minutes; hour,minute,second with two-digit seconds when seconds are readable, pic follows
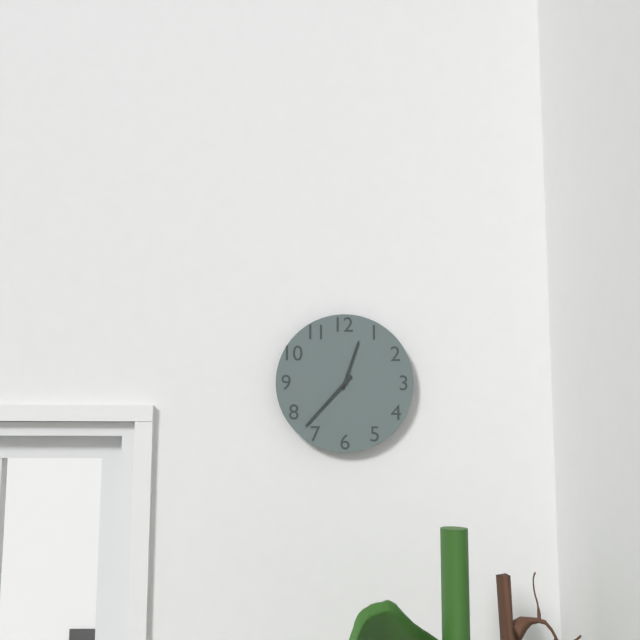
12,37
